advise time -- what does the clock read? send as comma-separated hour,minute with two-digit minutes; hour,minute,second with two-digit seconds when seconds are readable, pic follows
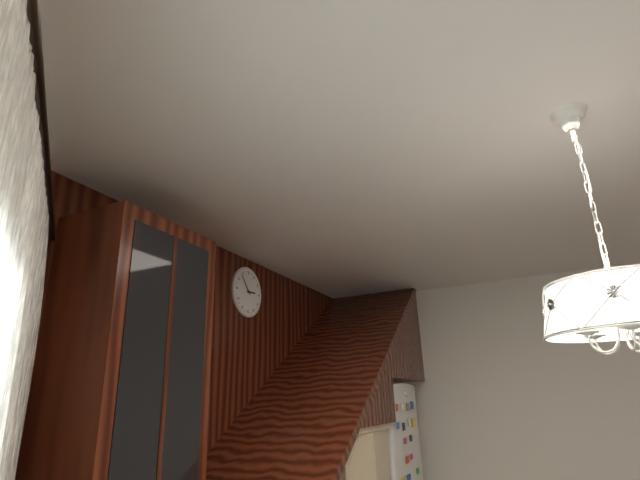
2,53
